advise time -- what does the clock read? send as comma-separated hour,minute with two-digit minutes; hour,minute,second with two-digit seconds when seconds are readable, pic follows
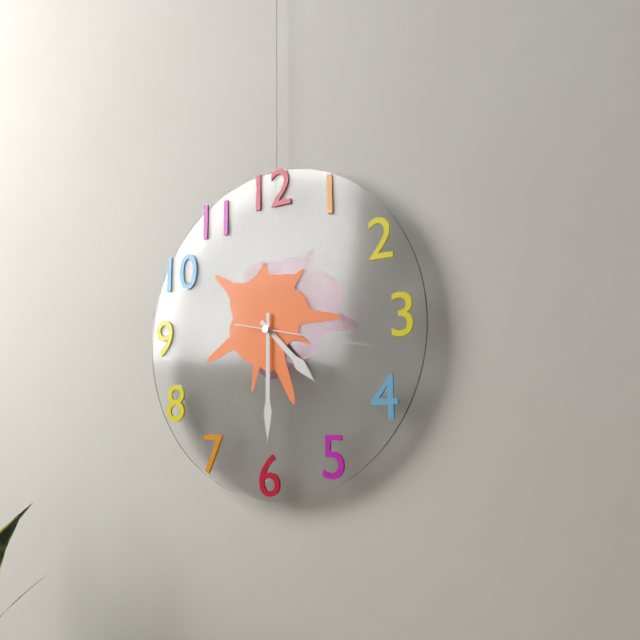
4,30,17
